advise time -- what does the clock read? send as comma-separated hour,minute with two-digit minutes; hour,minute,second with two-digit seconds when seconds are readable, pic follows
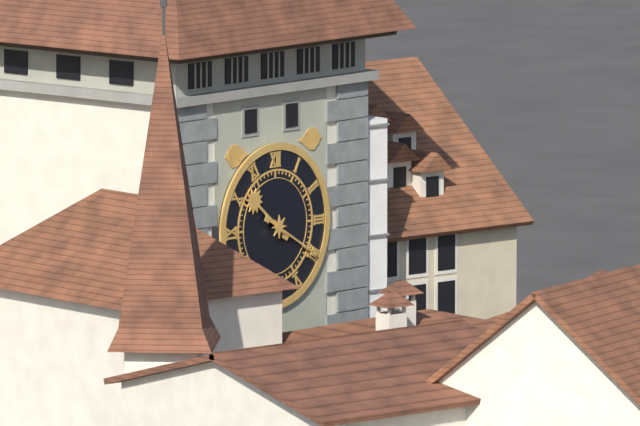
10,20
